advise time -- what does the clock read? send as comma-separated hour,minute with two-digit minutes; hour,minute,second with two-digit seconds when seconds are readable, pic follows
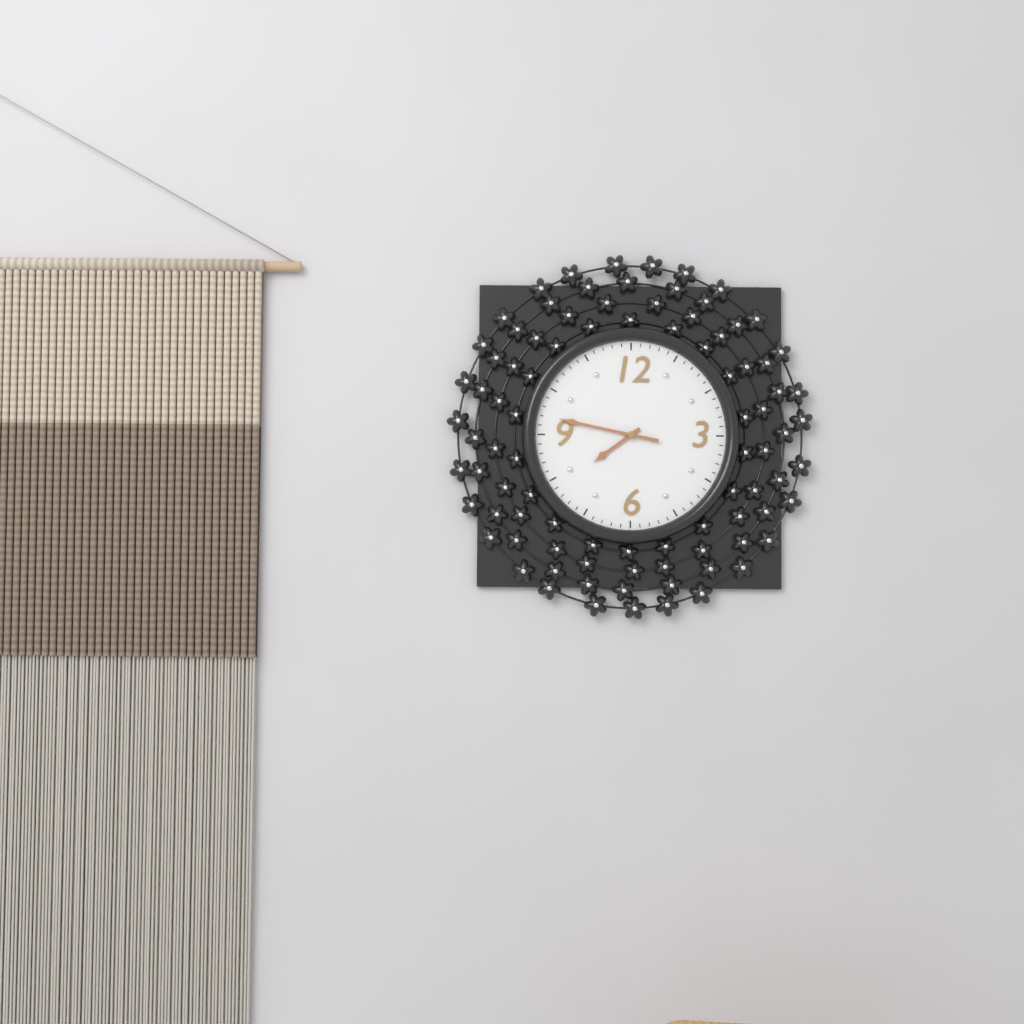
7,47
